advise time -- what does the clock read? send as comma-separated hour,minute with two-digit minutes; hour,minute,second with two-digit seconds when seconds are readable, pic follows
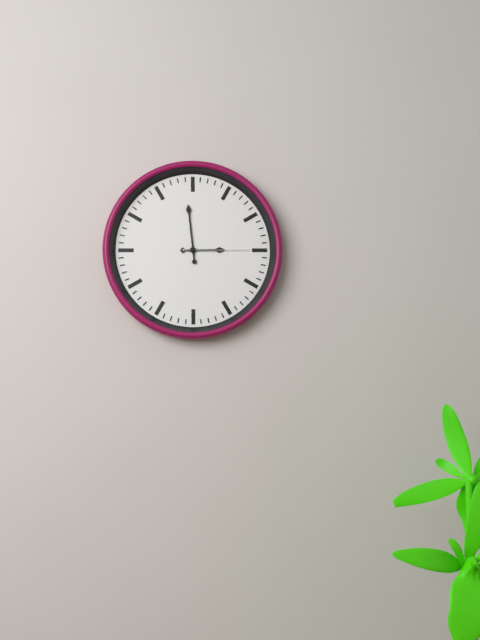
2,59,15
